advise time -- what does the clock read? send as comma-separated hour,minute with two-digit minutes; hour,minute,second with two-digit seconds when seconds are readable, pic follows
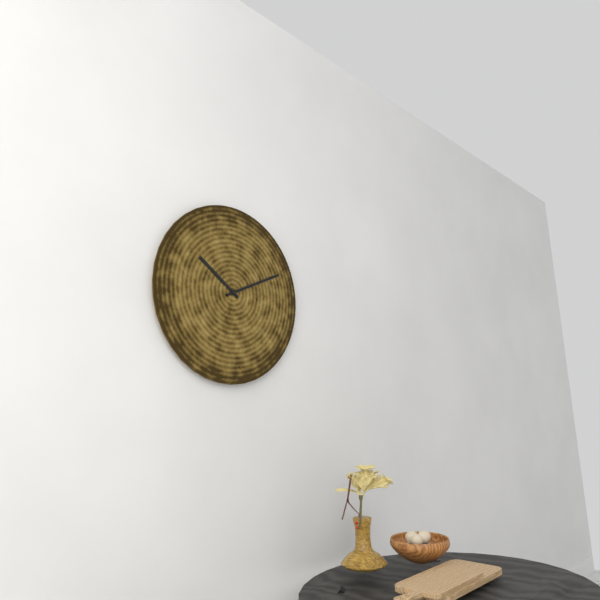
10,11
